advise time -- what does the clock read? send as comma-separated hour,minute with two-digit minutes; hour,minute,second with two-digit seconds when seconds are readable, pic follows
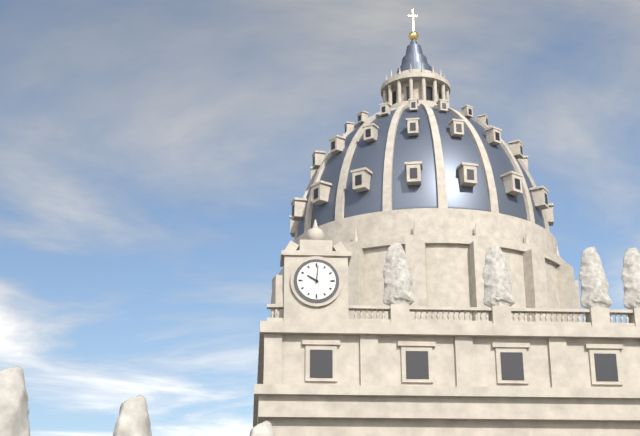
10,01
